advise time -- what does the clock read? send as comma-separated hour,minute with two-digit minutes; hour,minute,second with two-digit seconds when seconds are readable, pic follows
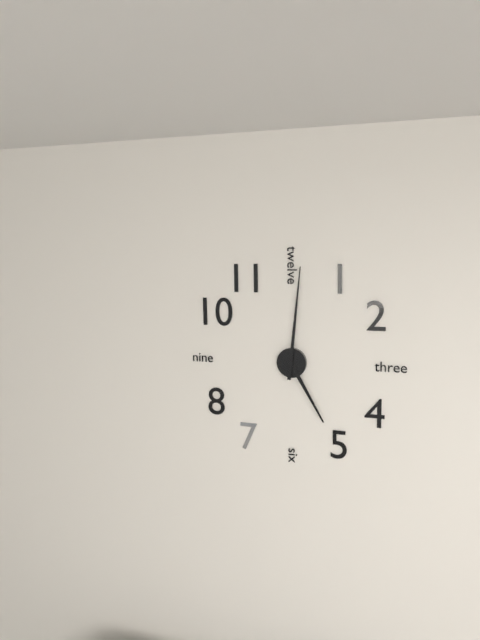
5,01
